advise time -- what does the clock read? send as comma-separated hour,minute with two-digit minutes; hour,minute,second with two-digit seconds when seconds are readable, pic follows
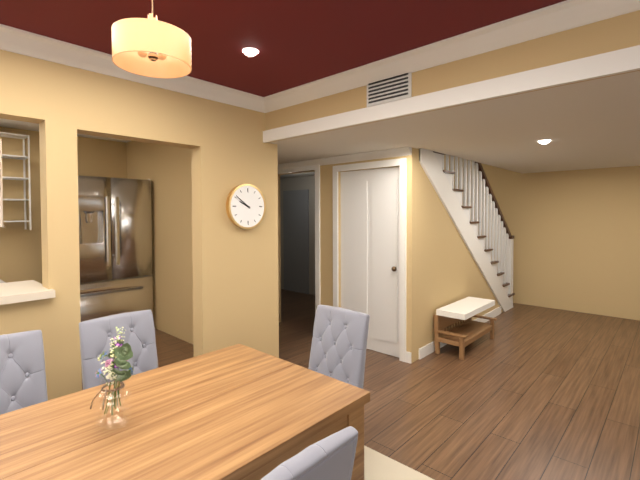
9,51
